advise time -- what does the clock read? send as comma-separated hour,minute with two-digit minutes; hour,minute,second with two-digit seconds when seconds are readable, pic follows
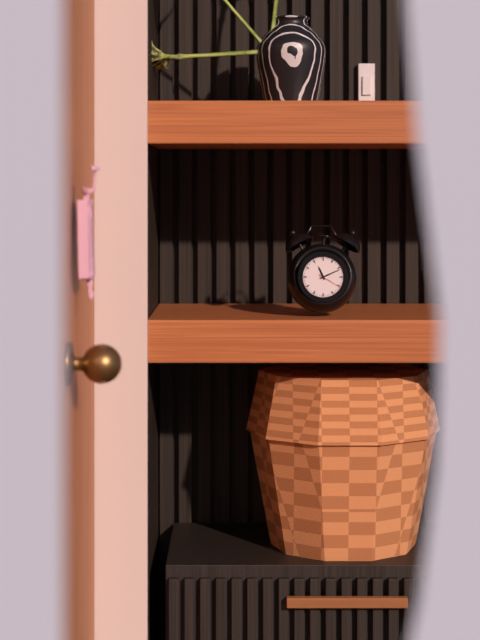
11,11
